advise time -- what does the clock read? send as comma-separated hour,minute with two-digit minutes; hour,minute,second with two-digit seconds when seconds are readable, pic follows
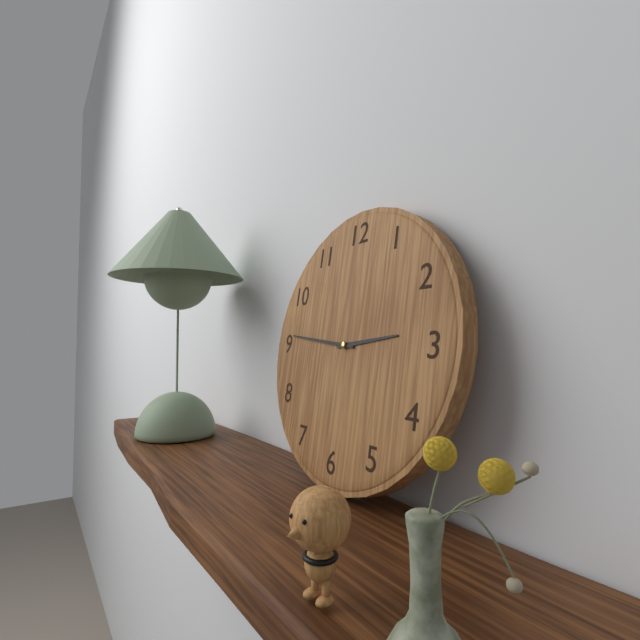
2,46
